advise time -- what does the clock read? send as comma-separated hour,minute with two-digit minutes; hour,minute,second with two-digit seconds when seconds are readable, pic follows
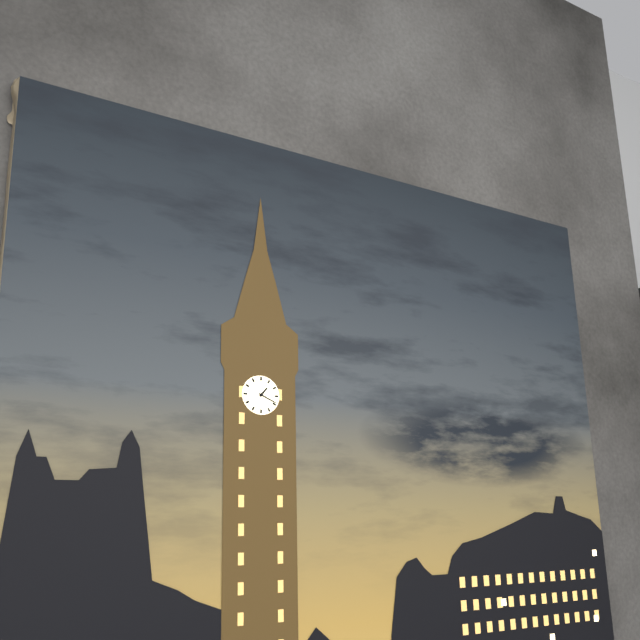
1,19
